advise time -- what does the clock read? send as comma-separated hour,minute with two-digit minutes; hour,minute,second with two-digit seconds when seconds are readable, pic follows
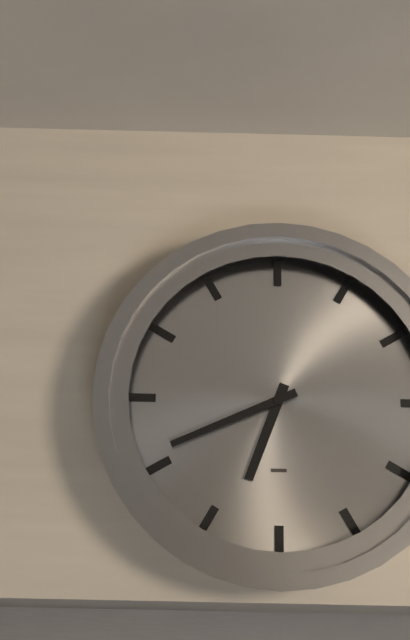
6,41
